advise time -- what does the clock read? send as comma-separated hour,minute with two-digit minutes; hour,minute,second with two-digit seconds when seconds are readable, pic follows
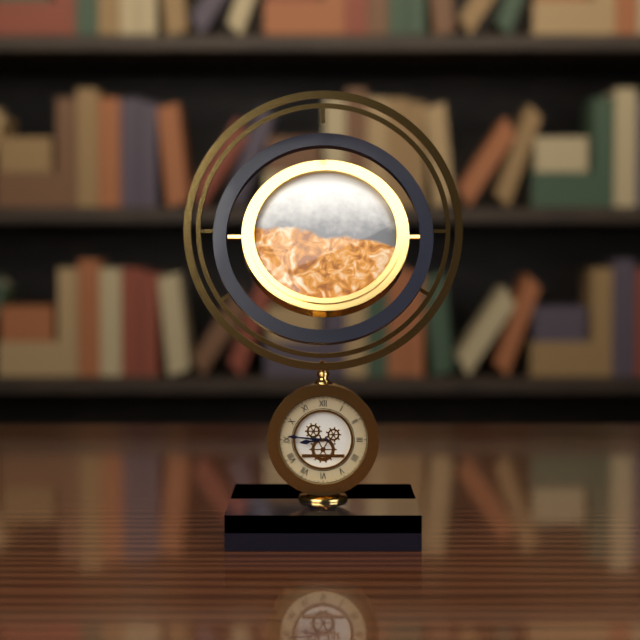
8,46
